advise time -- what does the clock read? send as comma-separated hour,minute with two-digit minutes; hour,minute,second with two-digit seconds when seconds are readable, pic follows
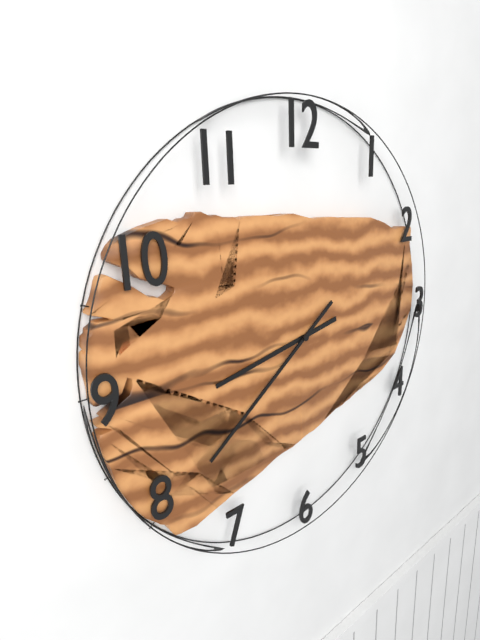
8,39
